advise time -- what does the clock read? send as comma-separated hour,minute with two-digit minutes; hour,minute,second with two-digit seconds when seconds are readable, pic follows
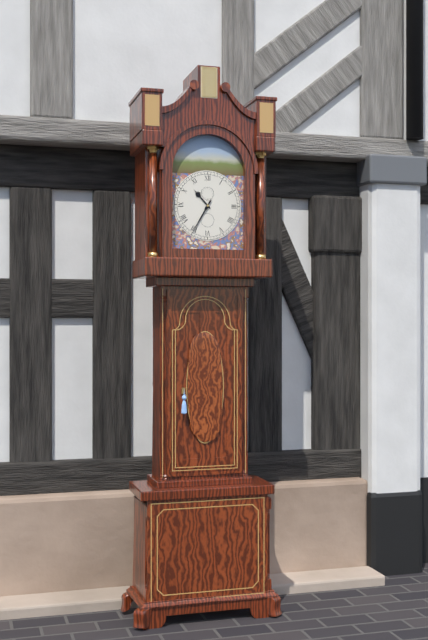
10,35
